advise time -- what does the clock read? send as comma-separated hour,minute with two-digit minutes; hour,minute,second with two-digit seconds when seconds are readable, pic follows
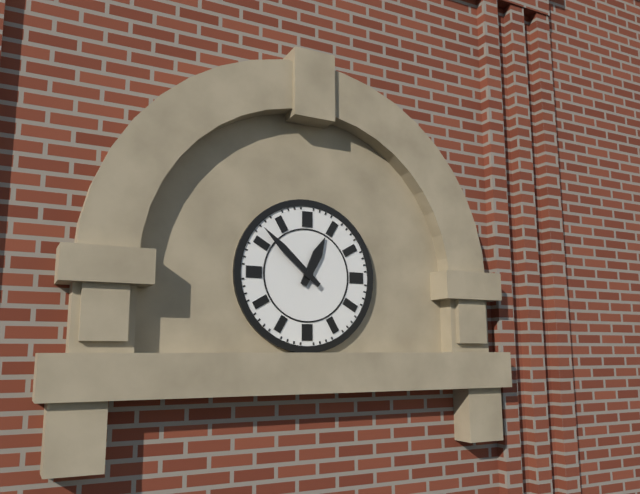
12,52
